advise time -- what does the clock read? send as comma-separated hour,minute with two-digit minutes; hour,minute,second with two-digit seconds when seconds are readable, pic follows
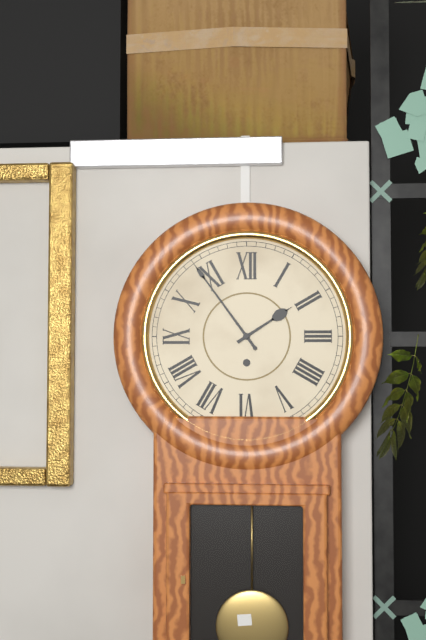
1,54
